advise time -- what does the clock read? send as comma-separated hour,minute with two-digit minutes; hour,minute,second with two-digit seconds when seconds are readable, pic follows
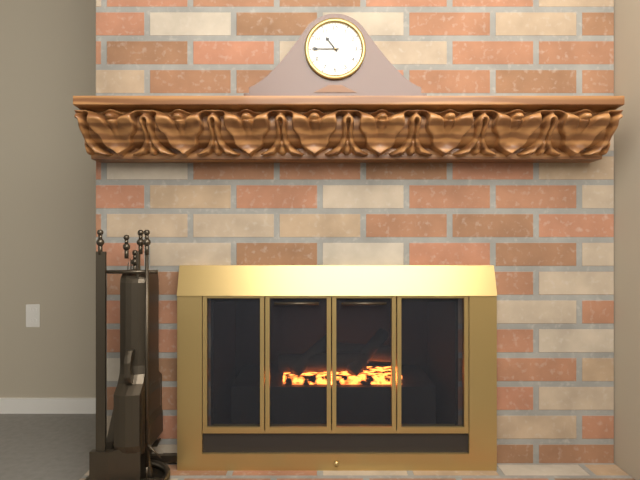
10,45
